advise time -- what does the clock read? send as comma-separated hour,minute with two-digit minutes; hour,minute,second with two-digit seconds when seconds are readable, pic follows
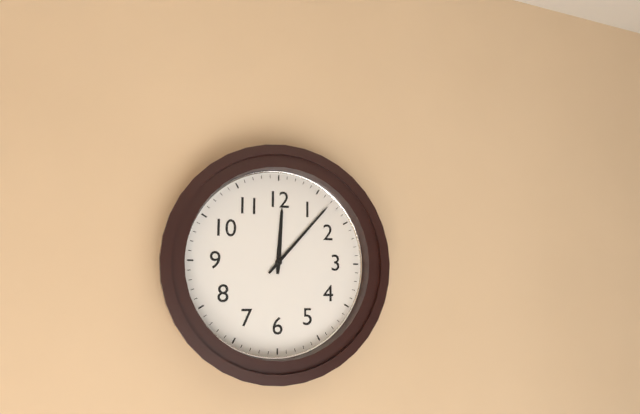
12,07
